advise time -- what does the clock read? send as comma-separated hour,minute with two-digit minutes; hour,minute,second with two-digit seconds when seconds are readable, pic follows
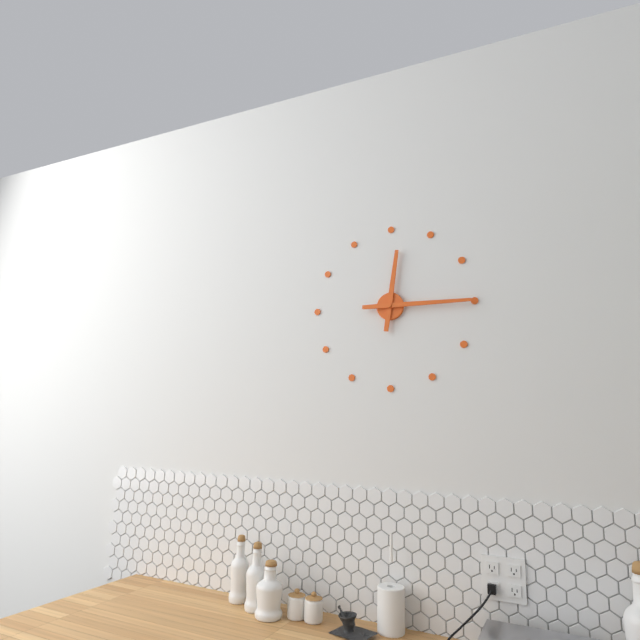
12,15
